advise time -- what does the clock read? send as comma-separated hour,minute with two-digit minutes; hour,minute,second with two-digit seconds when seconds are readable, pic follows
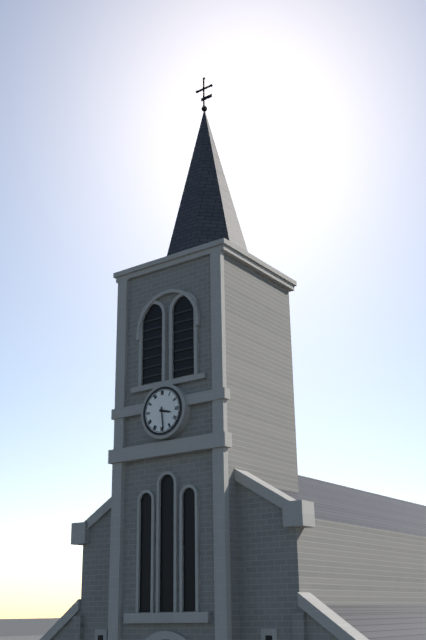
3,29
